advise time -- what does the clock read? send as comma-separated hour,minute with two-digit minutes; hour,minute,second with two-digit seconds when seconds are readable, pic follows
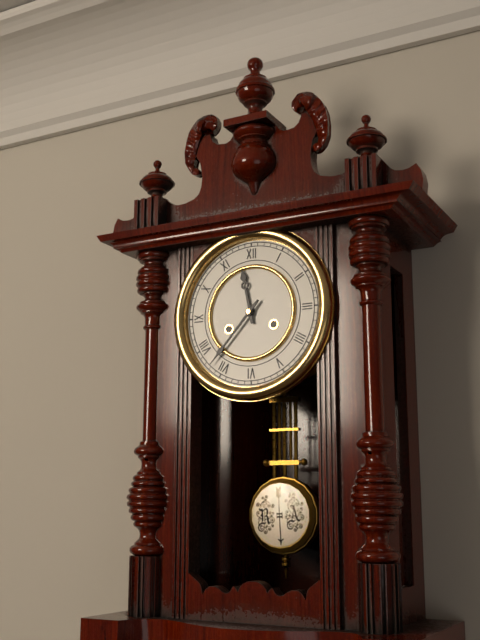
11,37
